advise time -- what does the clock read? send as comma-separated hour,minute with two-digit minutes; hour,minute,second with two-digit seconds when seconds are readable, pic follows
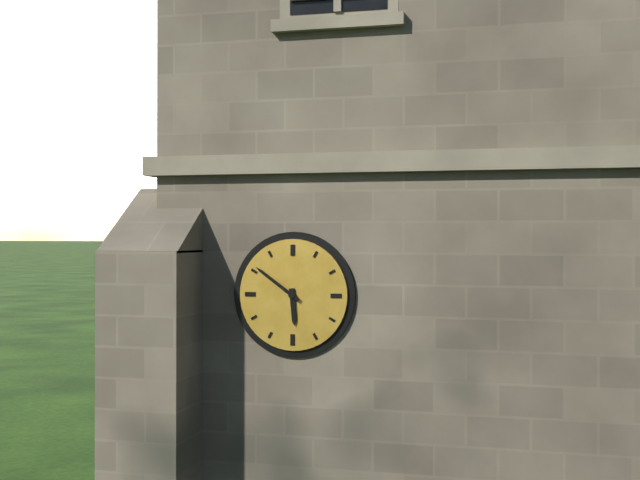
5,51
